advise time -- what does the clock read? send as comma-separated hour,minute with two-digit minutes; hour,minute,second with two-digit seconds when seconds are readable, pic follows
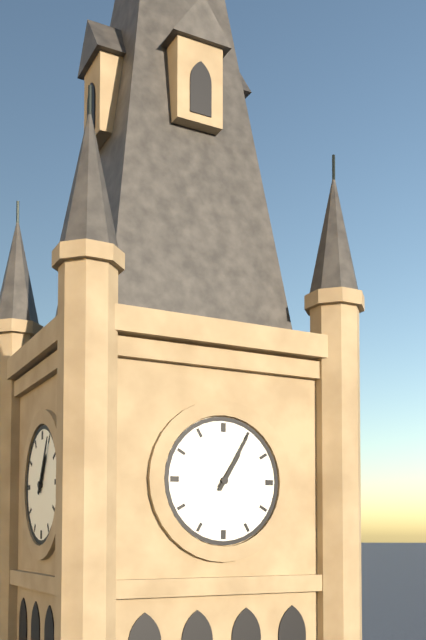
1,05
